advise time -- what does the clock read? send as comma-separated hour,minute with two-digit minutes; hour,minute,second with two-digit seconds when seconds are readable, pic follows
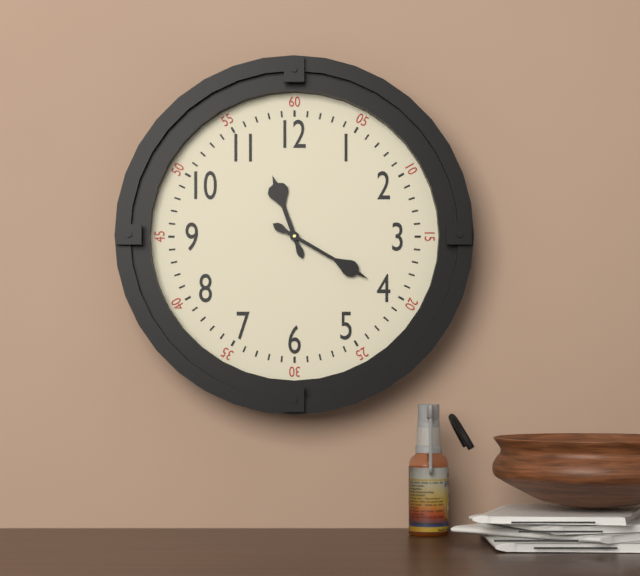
11,20
